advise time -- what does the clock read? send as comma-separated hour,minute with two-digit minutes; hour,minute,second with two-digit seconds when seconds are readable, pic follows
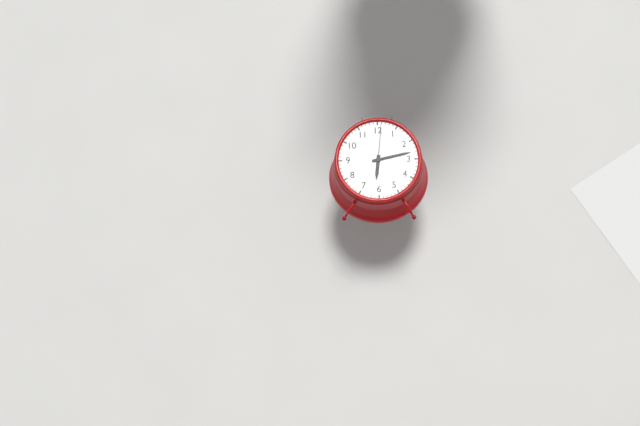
6,13
